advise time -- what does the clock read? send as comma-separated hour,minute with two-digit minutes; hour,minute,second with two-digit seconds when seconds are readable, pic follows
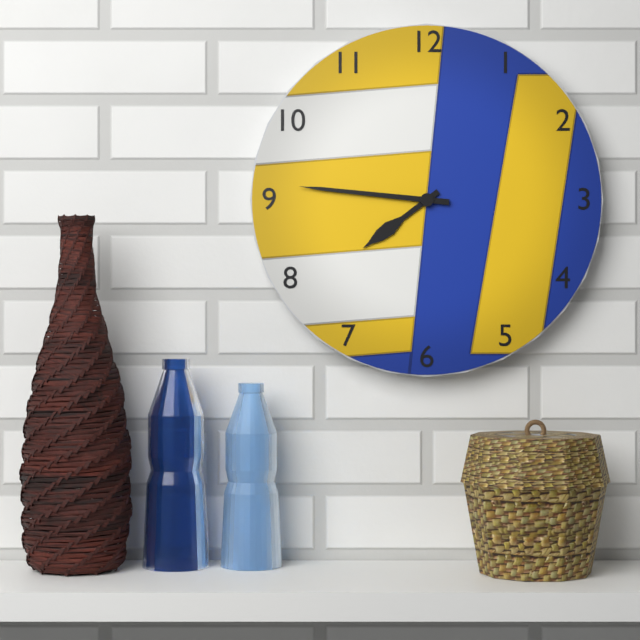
7,46
